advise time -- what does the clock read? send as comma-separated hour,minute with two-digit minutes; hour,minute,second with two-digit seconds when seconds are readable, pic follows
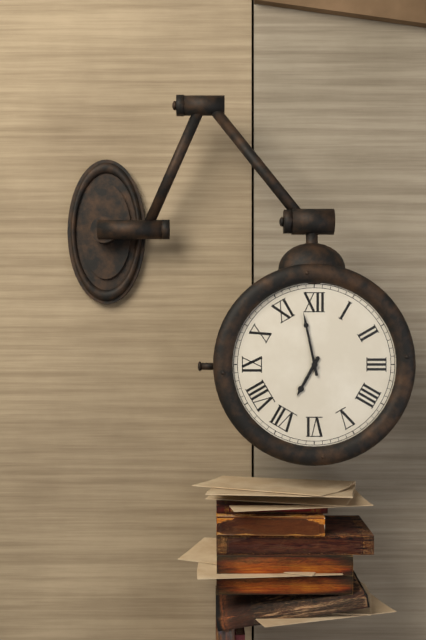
6,58
